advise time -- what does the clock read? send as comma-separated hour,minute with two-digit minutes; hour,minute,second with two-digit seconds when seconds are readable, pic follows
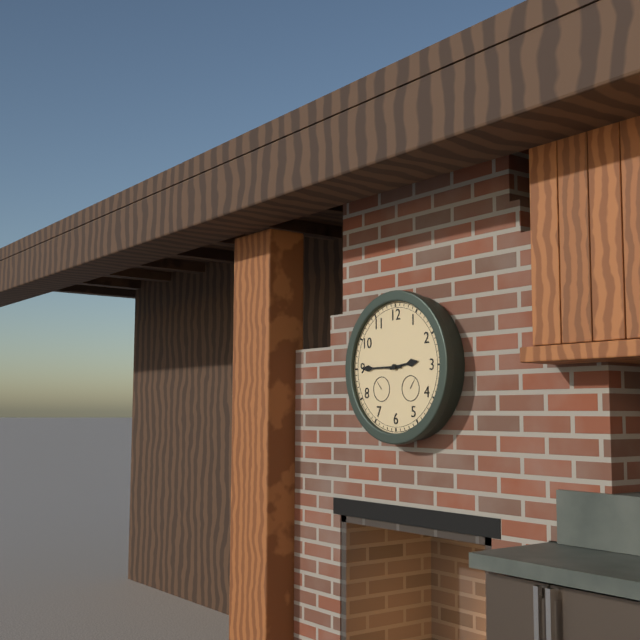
2,45
